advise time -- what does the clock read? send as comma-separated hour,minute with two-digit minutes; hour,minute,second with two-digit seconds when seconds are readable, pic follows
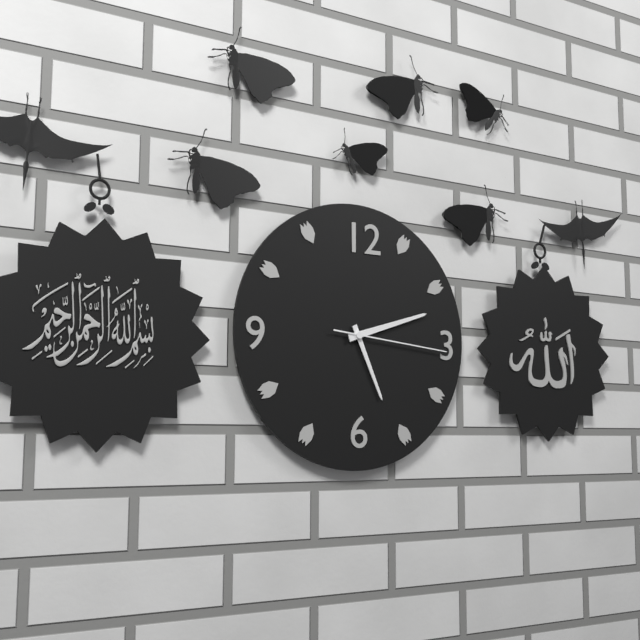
5,12,16
